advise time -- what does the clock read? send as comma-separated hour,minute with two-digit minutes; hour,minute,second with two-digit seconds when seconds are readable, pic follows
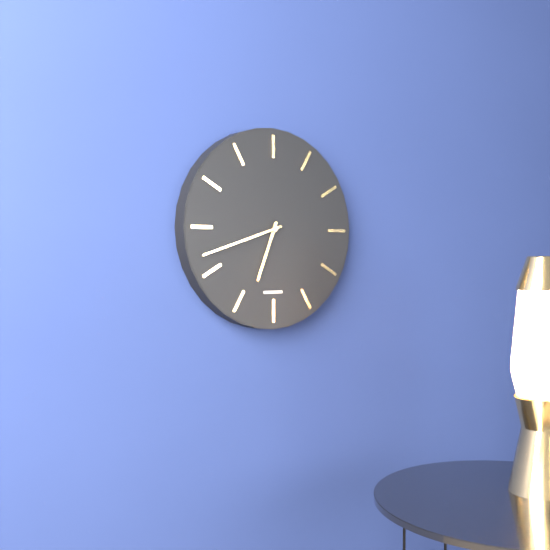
6,42
